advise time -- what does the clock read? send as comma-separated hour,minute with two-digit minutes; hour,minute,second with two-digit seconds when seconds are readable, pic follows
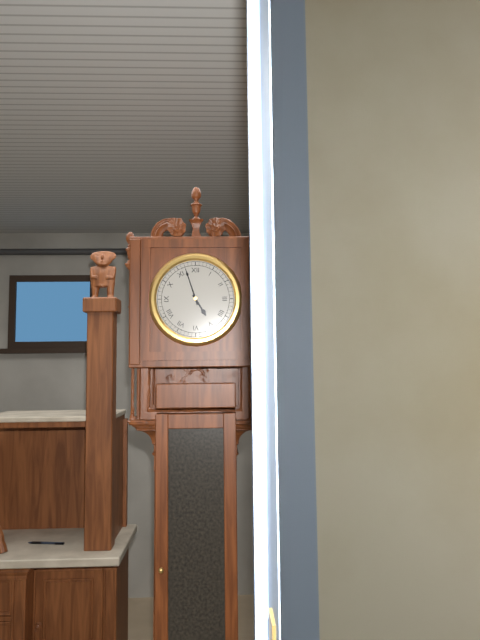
4,57
